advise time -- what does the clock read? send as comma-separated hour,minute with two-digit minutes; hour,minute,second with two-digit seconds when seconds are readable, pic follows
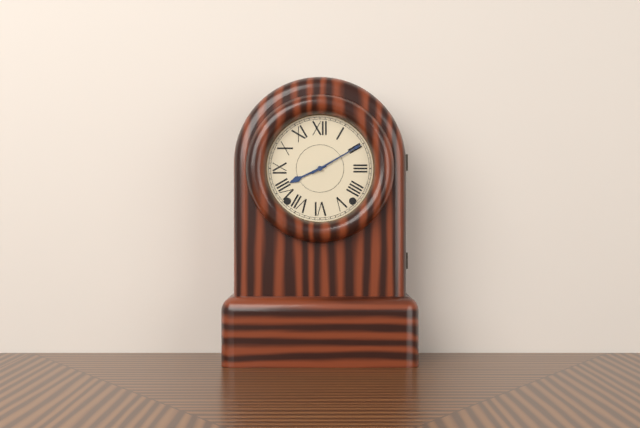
8,10
